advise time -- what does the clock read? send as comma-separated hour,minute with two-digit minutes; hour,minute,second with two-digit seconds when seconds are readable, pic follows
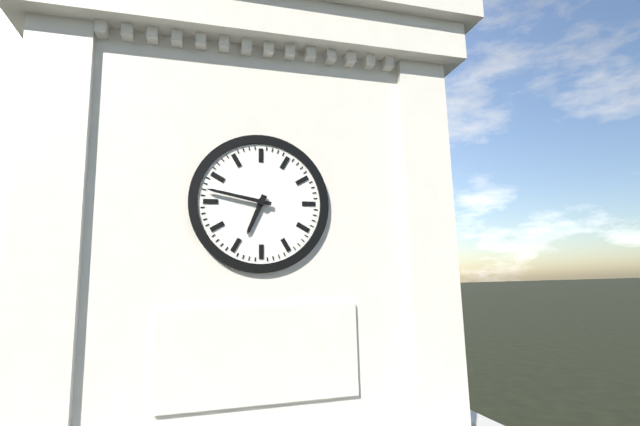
6,47
